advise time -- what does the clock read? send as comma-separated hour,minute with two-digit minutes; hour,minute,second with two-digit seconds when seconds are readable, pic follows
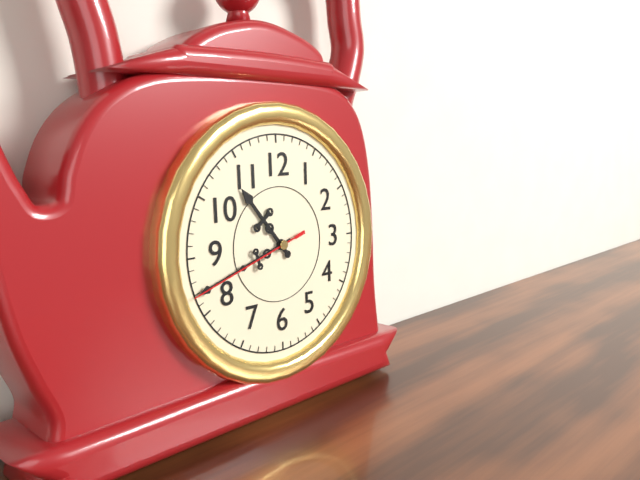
10,42,42
